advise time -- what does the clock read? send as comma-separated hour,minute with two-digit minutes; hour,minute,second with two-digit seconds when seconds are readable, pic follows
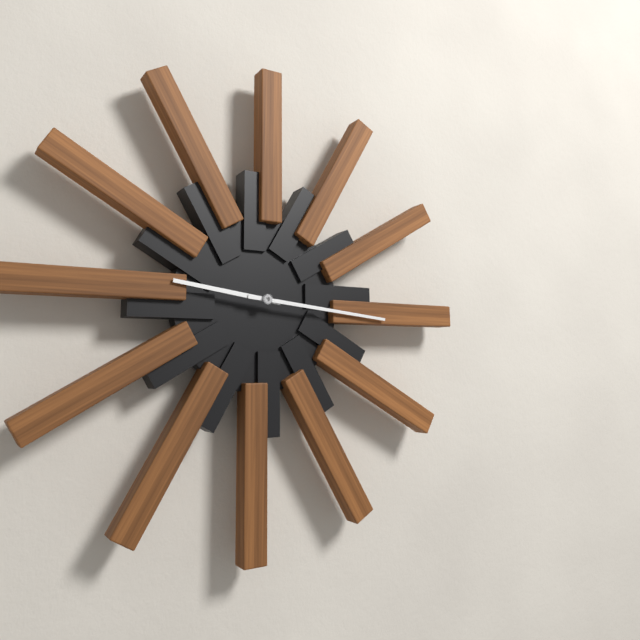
9,16
